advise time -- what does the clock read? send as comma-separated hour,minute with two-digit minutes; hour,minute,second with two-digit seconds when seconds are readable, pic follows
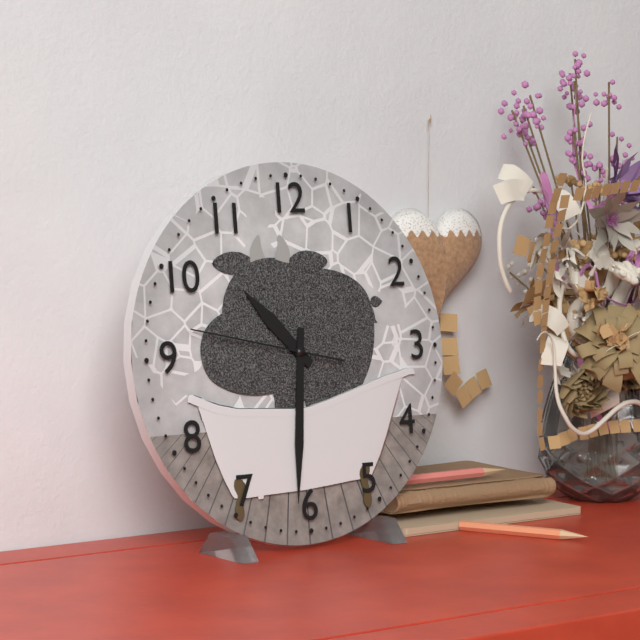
10,31,47
